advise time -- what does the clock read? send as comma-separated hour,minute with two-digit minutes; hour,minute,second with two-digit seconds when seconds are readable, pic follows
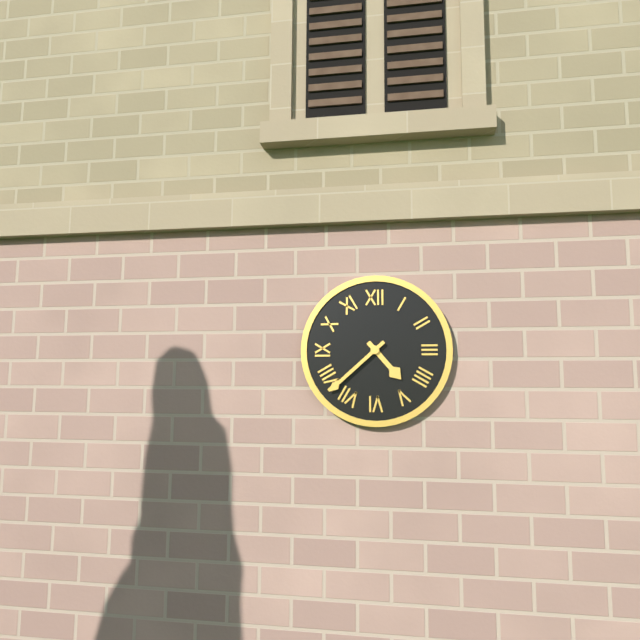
4,38
